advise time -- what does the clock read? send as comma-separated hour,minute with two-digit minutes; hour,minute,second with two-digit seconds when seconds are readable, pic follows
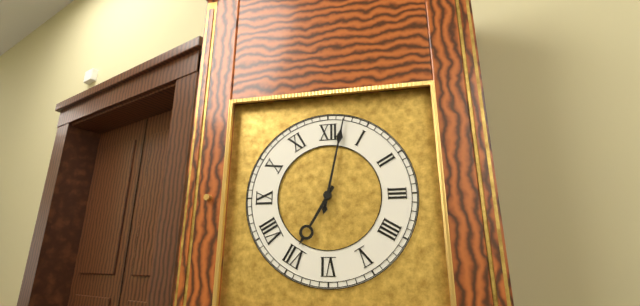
7,02
